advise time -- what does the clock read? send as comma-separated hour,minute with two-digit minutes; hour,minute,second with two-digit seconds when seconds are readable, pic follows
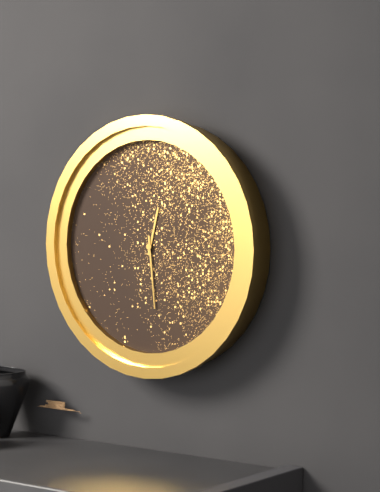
12,29
